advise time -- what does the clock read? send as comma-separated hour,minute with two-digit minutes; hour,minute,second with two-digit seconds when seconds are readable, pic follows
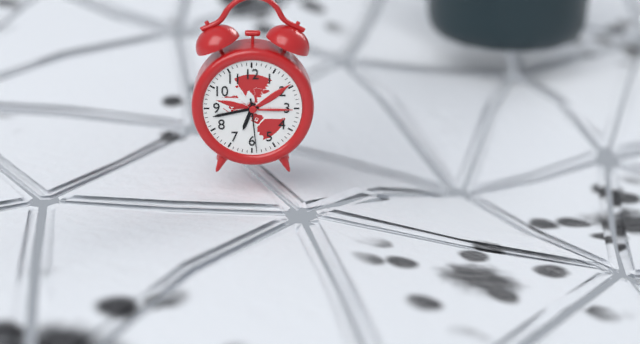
6,43,29
